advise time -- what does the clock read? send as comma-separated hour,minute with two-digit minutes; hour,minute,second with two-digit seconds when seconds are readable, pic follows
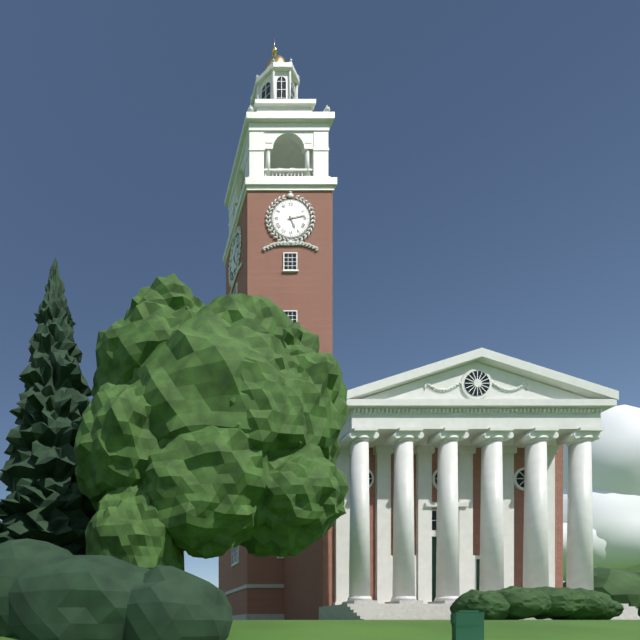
5,13
